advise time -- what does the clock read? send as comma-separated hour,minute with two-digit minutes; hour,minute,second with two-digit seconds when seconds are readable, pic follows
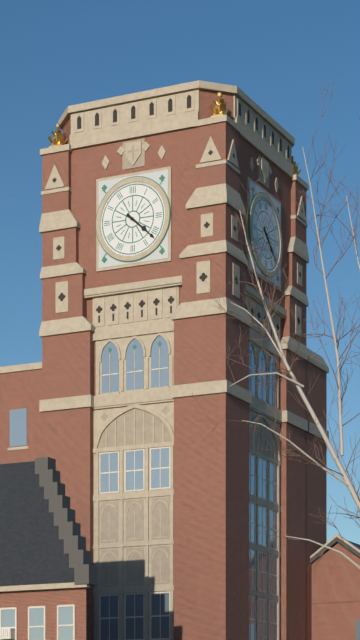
4,22
